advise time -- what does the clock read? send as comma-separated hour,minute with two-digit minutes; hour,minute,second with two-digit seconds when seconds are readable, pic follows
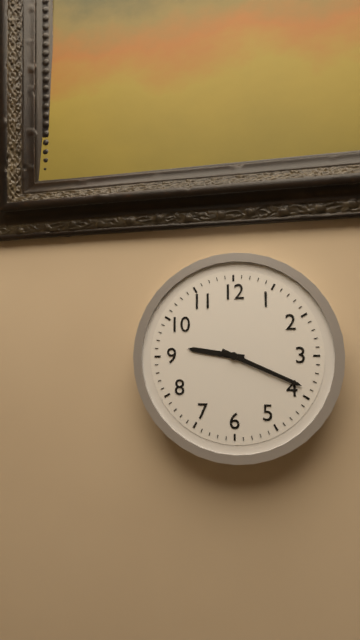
9,19
